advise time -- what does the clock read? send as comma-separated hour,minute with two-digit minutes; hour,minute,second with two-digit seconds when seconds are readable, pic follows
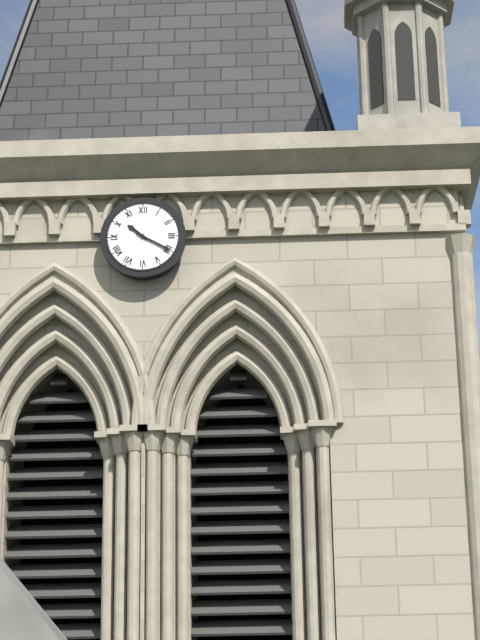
10,20
